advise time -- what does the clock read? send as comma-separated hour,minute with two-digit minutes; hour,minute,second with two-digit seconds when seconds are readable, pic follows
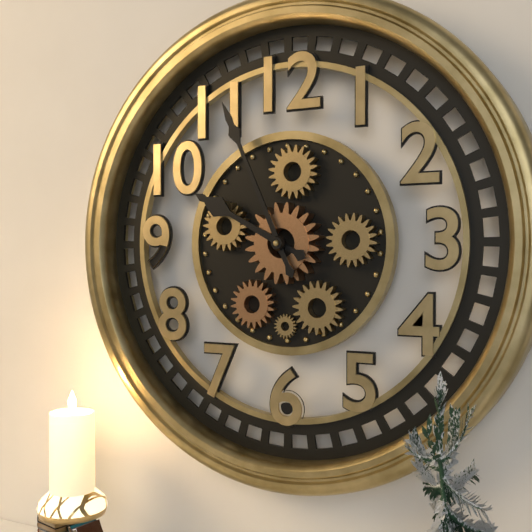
9,56
